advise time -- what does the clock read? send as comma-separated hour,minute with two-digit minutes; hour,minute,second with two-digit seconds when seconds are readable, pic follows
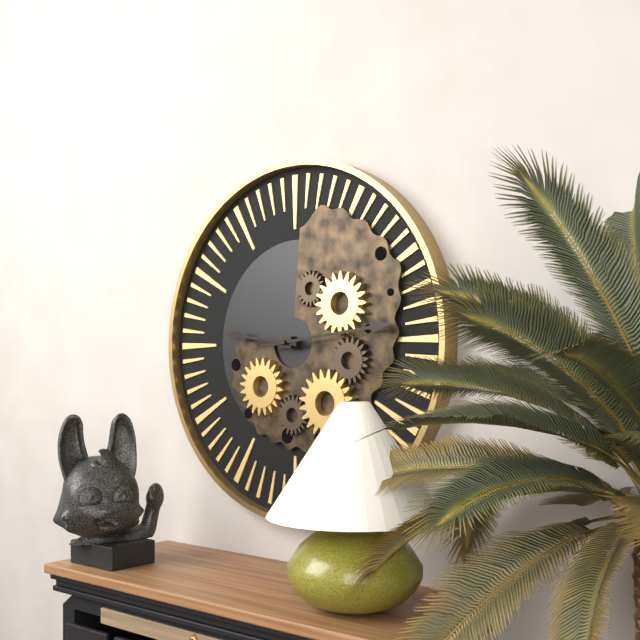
9,14
